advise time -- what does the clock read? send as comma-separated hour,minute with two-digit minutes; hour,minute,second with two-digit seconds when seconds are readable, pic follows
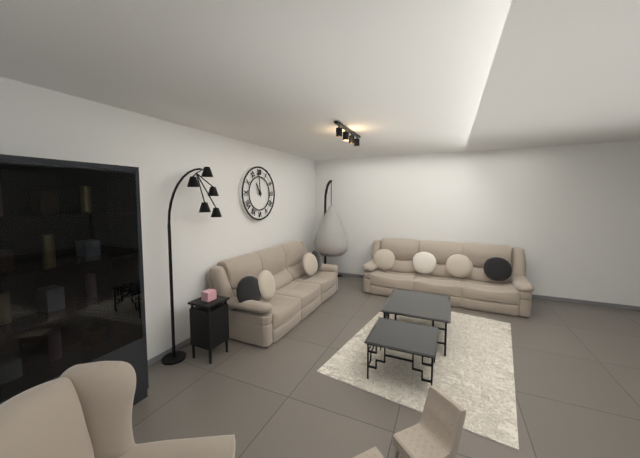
10,59
